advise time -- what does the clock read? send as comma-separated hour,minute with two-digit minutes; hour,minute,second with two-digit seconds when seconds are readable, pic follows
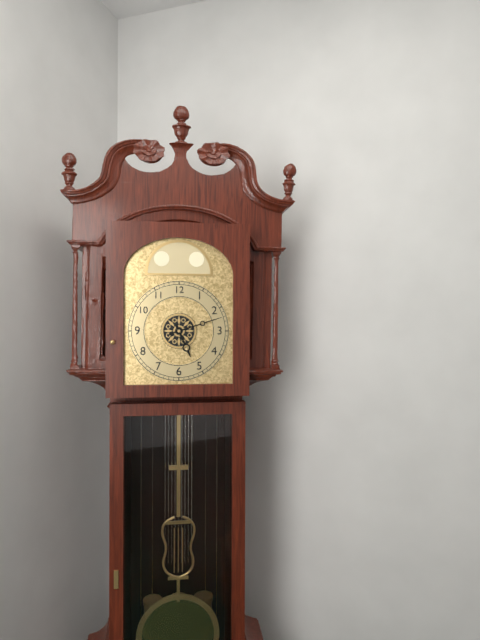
5,12
